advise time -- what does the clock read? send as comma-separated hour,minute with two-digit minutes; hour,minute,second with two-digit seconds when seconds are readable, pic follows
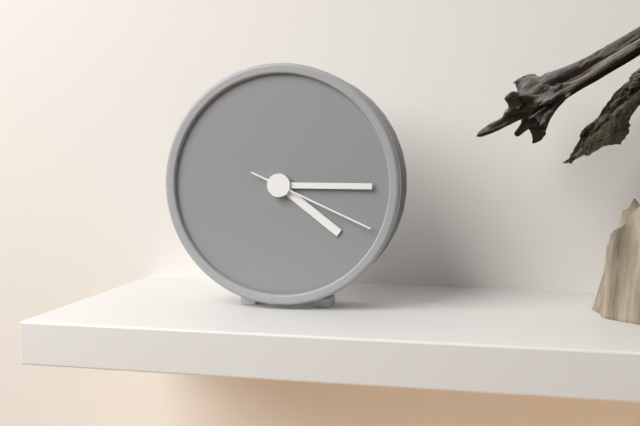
4,15,19
